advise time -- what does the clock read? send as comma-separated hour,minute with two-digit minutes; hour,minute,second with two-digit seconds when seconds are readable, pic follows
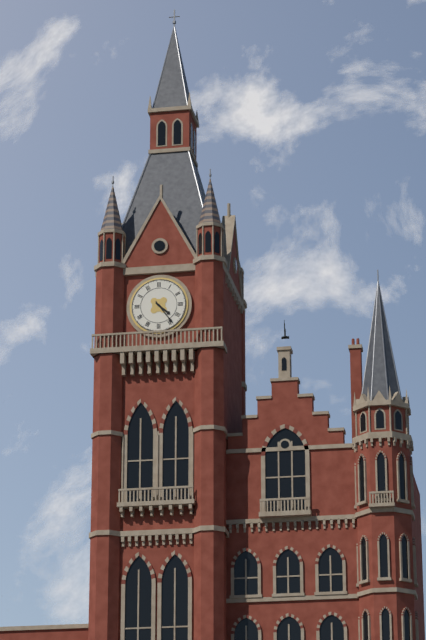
4,24
